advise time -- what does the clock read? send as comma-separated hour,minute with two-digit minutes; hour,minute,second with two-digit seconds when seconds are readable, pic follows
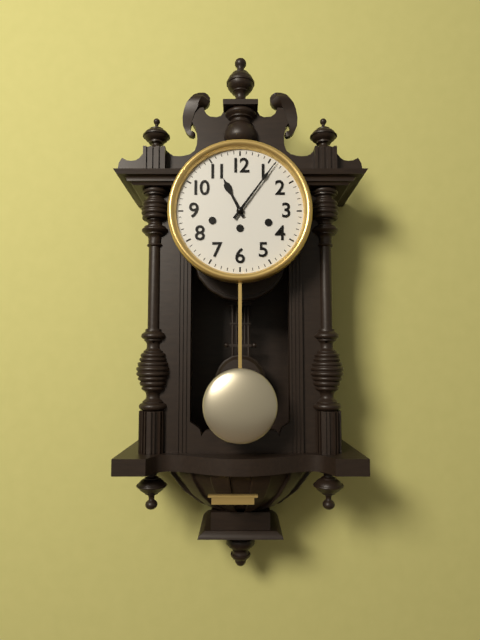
11,06
